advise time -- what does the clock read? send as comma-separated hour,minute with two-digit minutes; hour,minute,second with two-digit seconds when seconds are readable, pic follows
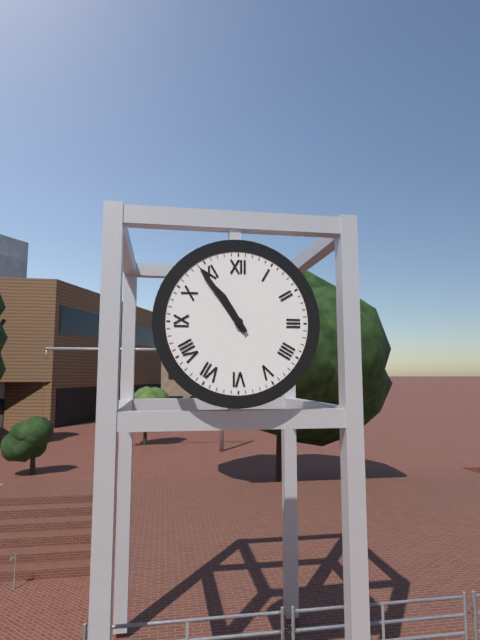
10,54
